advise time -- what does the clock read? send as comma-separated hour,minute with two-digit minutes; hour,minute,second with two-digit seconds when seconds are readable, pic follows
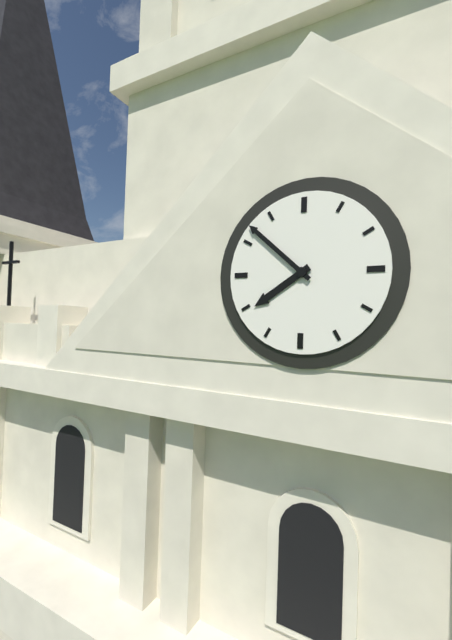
7,52
